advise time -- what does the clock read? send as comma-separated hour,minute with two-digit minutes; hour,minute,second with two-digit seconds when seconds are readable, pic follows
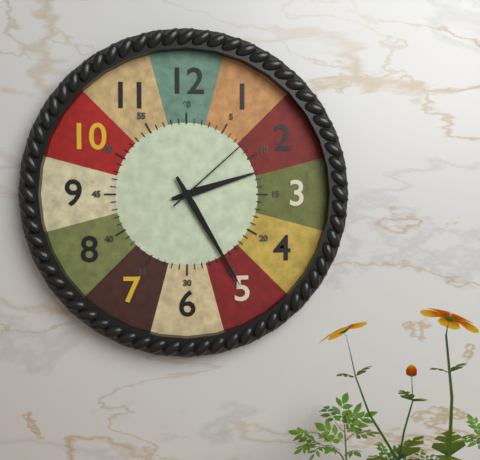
2,25,08
